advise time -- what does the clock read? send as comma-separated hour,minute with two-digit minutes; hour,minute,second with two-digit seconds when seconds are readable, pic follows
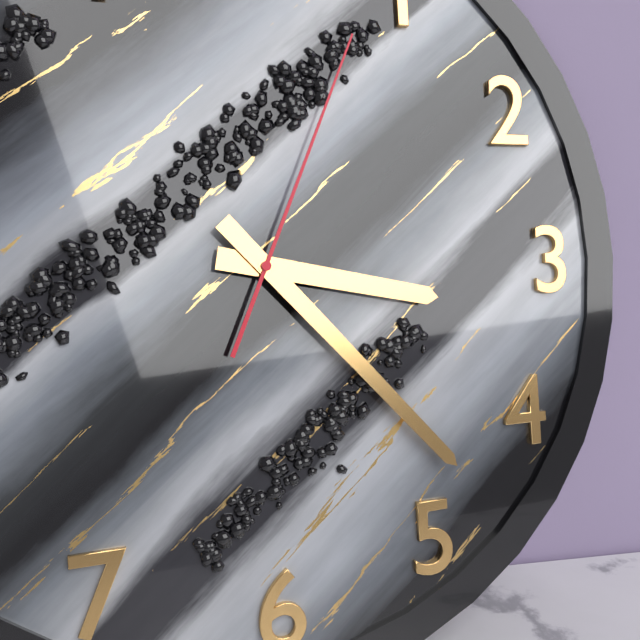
3,23,04
